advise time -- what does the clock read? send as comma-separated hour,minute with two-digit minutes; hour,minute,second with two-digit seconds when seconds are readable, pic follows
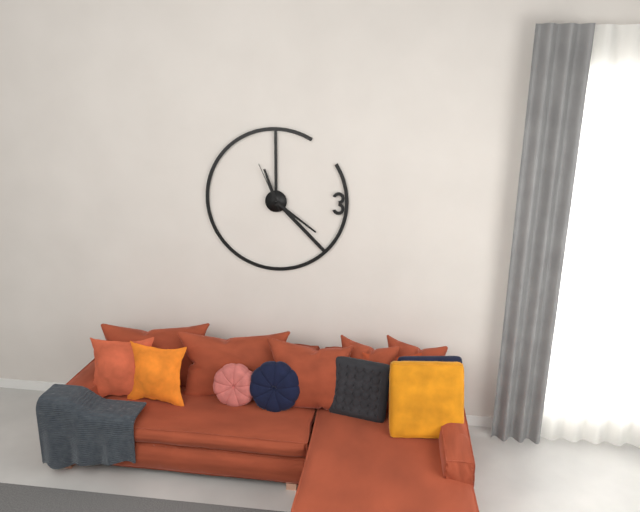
11,21,56
